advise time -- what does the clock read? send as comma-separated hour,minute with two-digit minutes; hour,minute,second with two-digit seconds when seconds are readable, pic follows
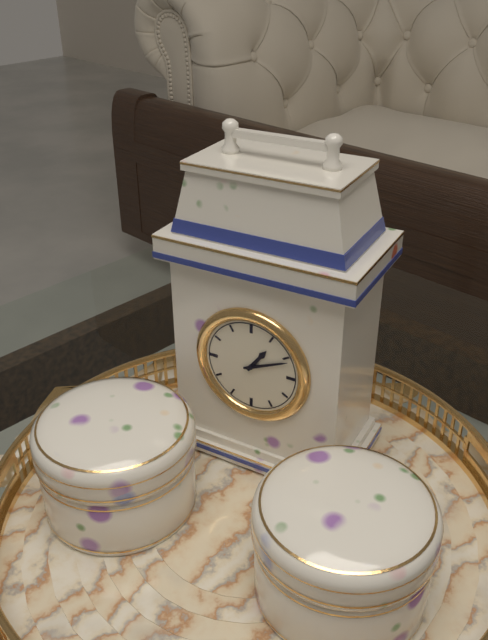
1,11
